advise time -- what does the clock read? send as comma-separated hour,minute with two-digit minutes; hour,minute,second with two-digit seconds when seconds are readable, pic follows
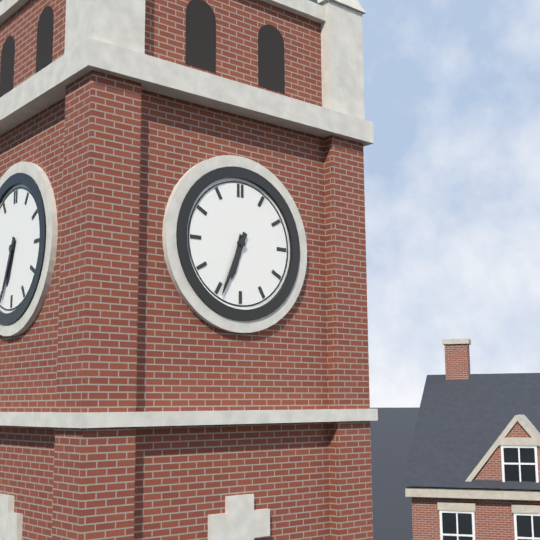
6,34
